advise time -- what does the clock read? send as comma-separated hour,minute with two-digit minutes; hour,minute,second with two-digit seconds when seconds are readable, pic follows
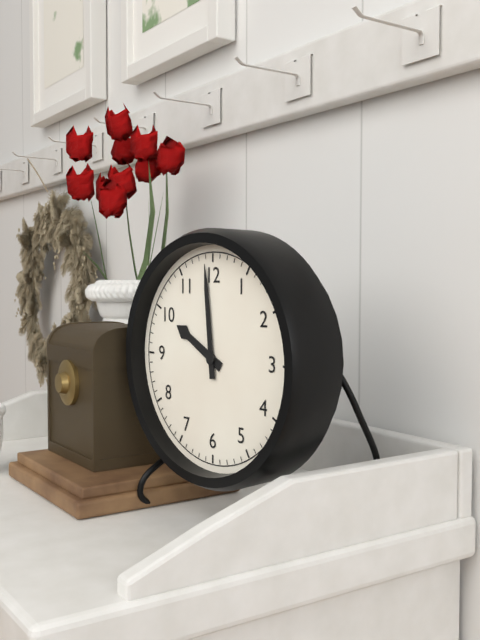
9,59
